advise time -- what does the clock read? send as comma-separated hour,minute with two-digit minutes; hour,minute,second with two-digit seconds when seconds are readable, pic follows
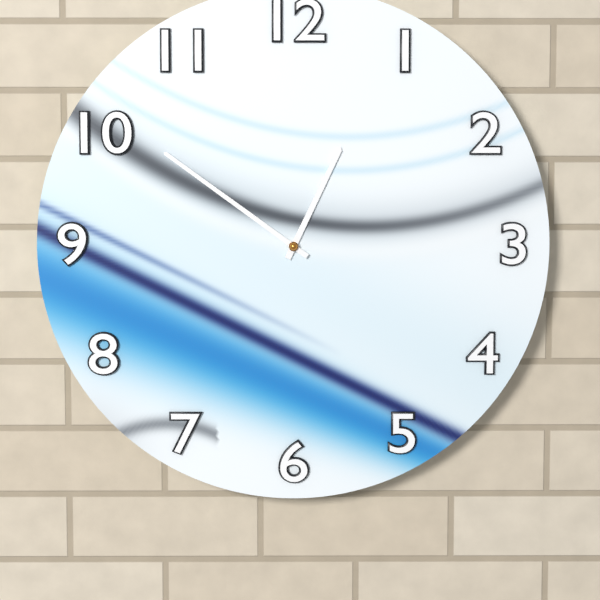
12,51
